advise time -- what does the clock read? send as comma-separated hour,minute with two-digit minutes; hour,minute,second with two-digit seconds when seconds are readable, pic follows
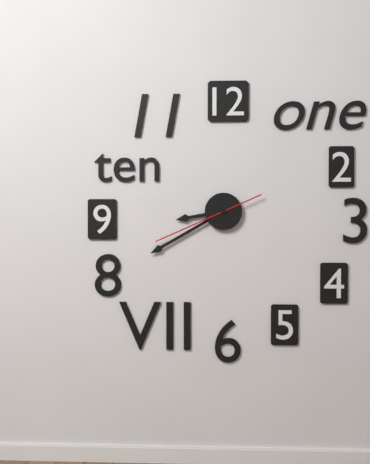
8,40,41
